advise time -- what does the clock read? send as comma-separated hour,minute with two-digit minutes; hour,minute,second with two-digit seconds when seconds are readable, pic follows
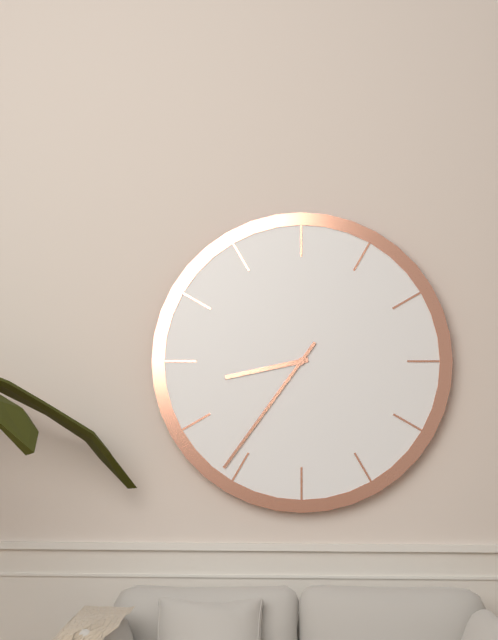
8,36
